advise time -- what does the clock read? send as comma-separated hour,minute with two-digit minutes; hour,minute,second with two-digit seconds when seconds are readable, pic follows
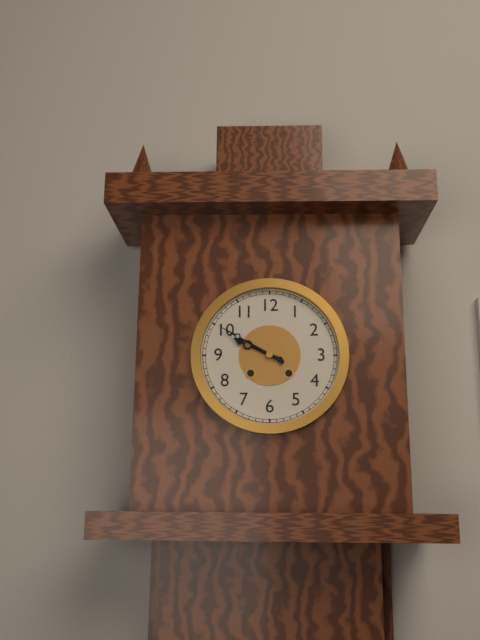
9,50
